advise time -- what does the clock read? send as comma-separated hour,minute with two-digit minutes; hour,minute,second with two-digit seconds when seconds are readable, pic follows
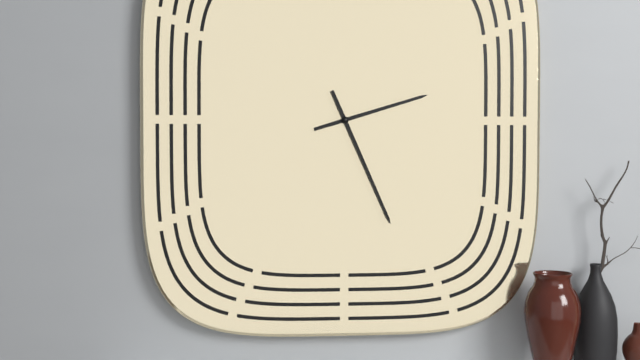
2,26
